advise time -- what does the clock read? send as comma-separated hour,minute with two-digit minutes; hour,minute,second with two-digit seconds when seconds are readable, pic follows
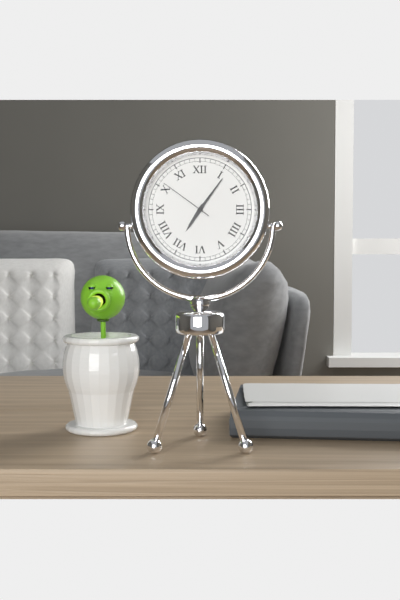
7,06,51
